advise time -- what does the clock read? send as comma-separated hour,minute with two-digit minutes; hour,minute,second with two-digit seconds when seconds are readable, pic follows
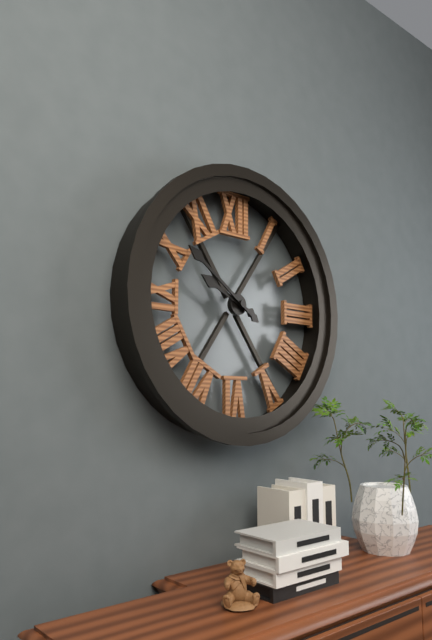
9,51
